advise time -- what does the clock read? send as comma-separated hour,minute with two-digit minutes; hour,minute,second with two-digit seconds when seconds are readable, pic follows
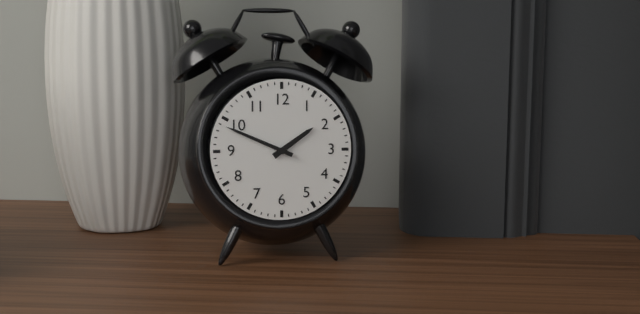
1,49
